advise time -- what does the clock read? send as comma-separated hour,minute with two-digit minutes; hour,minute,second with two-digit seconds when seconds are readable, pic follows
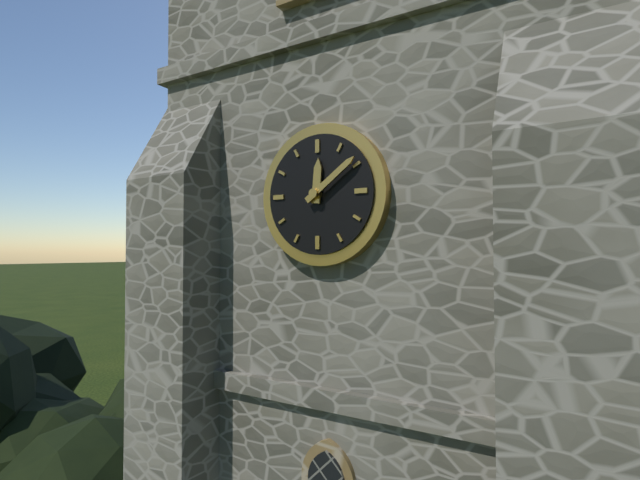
12,09
